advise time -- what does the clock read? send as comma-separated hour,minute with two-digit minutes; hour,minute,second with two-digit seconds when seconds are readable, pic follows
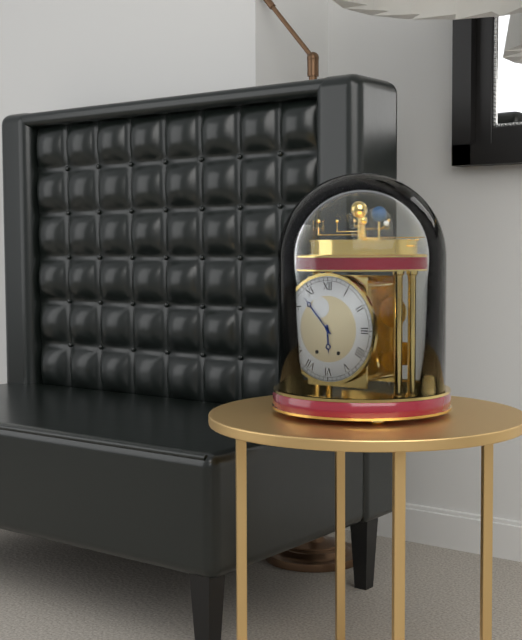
5,53
